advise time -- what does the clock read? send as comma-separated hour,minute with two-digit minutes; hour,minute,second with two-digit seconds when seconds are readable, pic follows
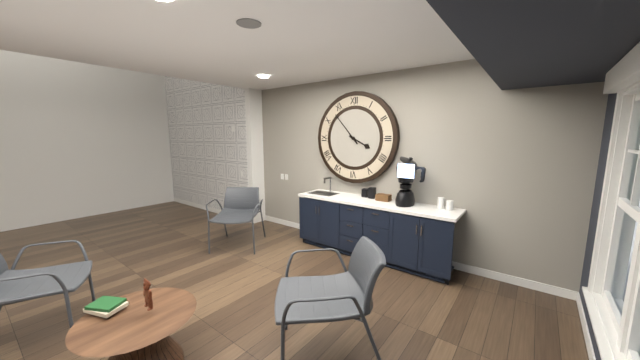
3,53
